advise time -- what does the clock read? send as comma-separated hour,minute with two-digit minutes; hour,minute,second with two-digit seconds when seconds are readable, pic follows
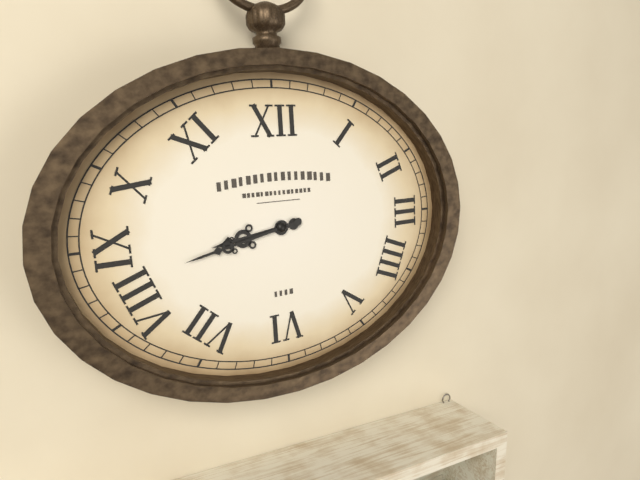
8,43
